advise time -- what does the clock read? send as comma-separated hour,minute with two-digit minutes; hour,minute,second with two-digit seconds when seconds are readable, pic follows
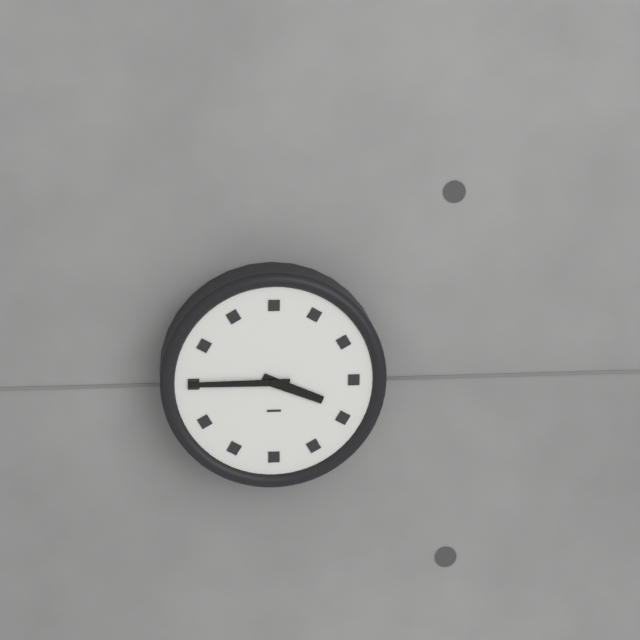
3,45
